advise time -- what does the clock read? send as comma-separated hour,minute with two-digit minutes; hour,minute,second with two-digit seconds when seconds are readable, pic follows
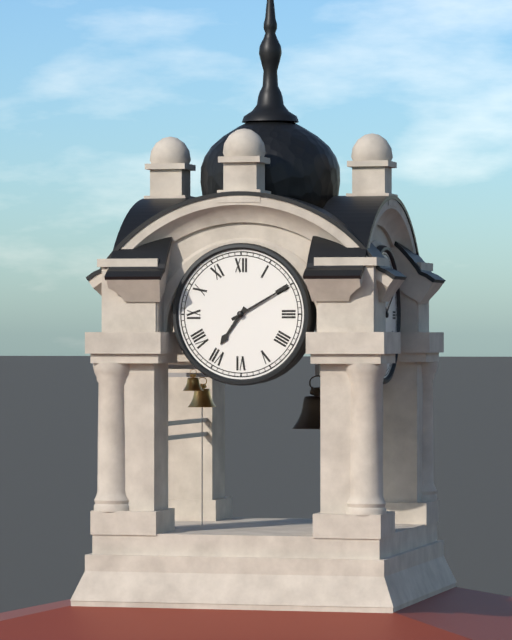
7,10
